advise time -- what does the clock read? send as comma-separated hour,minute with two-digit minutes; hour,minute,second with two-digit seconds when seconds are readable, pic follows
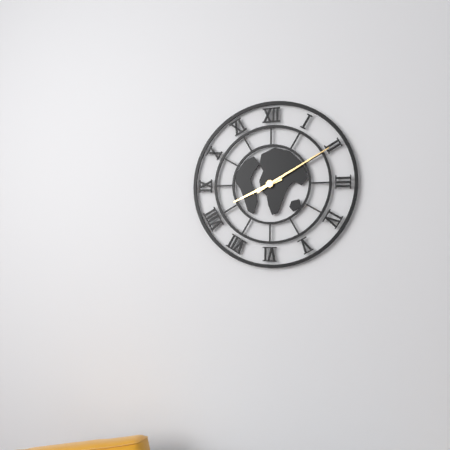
8,10
